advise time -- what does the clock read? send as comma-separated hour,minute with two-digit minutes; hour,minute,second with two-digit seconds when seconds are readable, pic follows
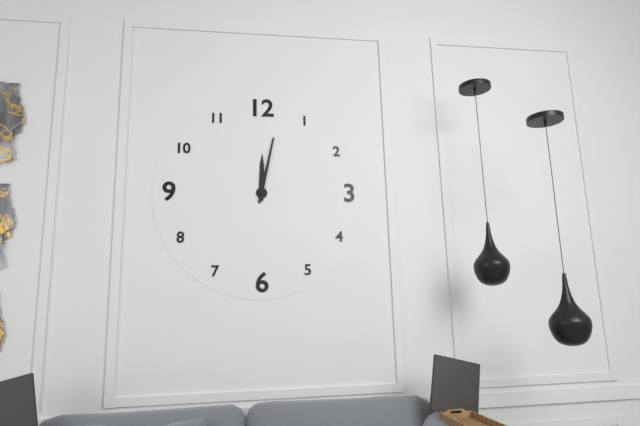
12,02
